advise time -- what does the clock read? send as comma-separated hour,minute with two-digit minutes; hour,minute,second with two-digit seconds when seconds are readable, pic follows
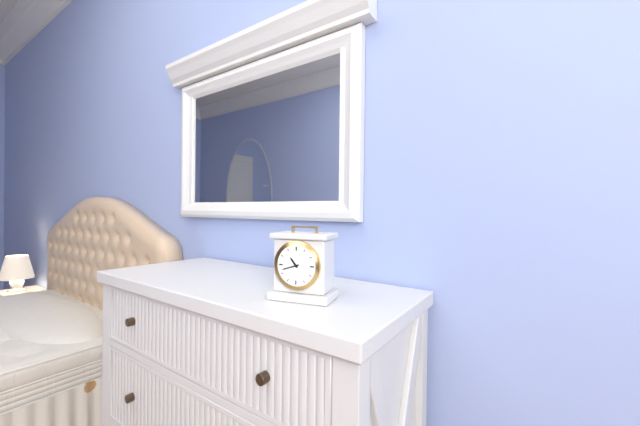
10,42
